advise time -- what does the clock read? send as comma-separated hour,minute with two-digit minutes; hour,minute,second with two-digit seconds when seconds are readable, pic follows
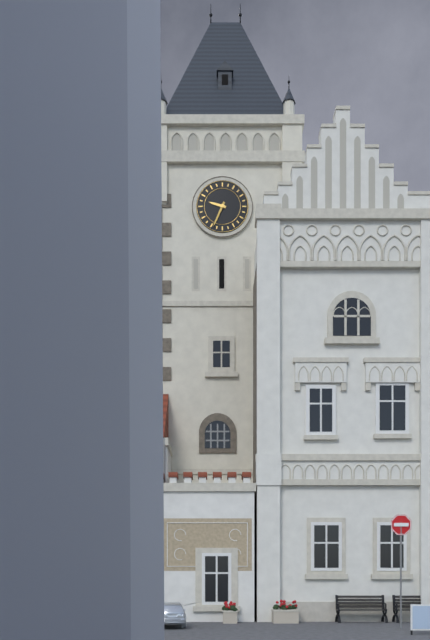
9,34
